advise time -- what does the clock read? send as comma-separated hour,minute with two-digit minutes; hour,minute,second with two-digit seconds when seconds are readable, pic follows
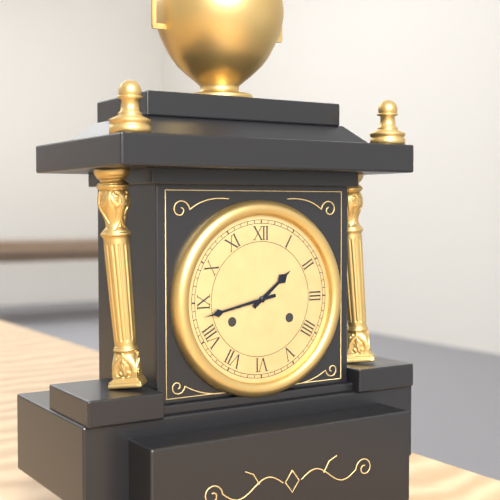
1,43
